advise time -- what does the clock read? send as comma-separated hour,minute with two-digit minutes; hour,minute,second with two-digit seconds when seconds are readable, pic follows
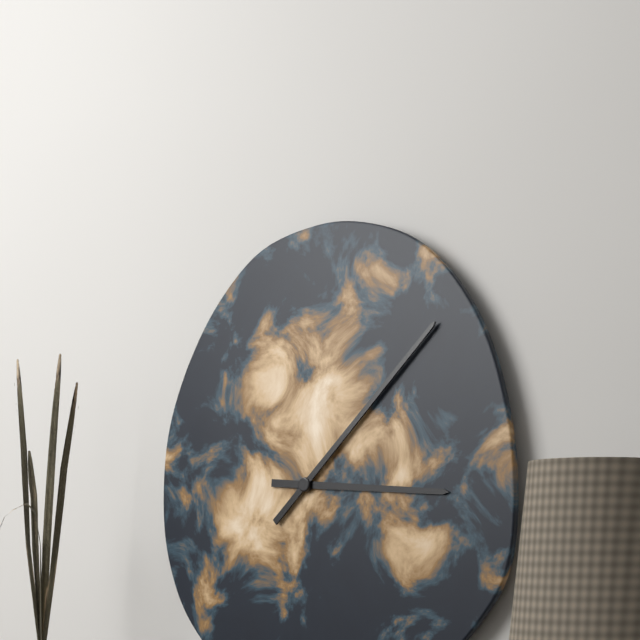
3,08
